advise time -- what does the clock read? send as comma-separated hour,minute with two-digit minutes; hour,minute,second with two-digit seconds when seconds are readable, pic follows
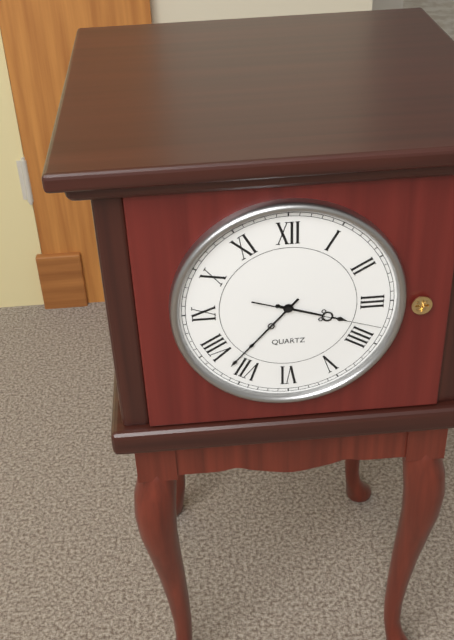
3,37,18
